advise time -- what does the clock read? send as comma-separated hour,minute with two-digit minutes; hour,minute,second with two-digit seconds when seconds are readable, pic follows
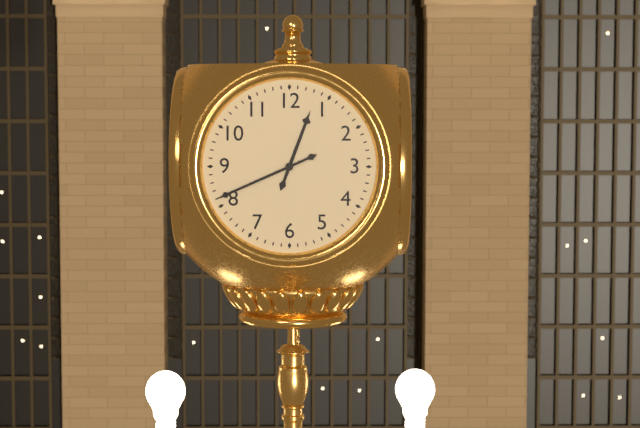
12,41
